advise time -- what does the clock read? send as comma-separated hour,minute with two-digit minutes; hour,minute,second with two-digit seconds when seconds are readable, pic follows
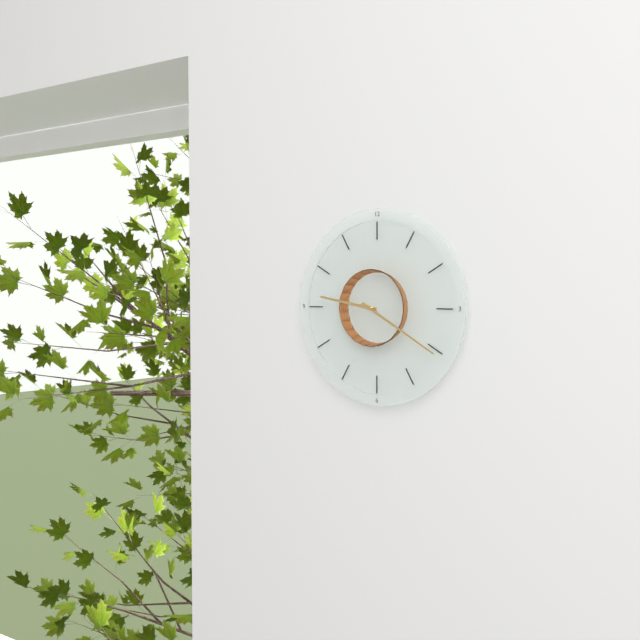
9,20
